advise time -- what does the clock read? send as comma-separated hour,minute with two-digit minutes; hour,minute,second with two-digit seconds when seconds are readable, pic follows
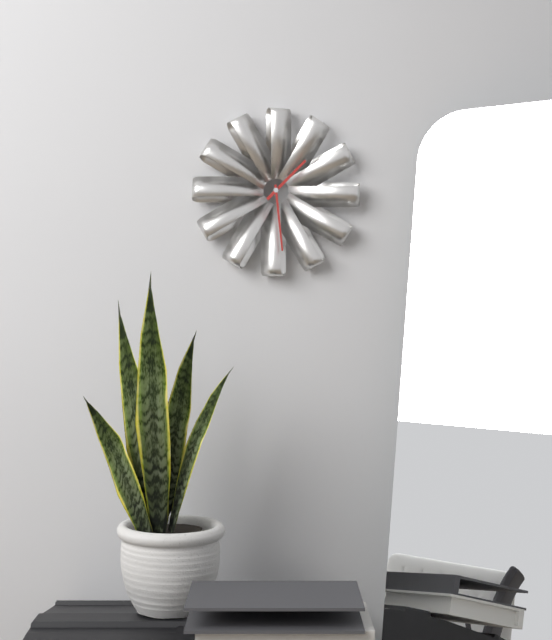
1,29
